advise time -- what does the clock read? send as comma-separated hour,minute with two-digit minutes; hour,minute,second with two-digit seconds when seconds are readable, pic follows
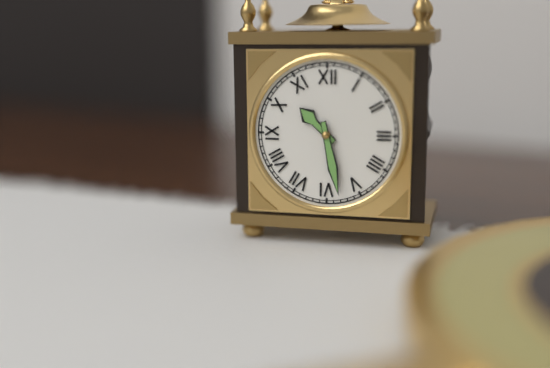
10,28
